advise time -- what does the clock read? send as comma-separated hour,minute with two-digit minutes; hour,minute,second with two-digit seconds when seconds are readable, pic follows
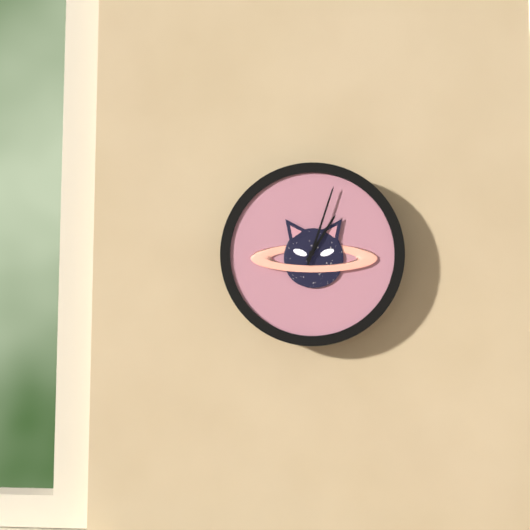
1,03
